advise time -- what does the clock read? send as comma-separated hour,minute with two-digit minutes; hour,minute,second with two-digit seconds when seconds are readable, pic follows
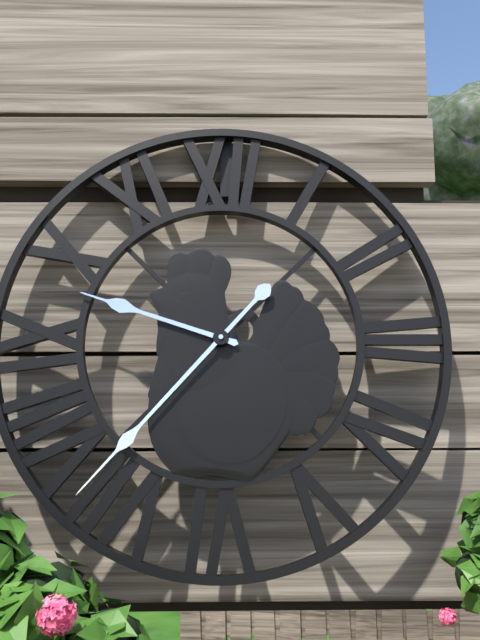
9,37
